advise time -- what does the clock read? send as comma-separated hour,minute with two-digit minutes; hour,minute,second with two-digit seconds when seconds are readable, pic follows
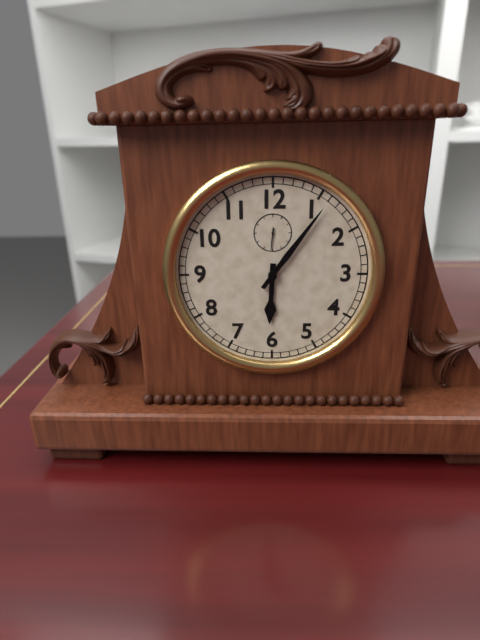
6,06
